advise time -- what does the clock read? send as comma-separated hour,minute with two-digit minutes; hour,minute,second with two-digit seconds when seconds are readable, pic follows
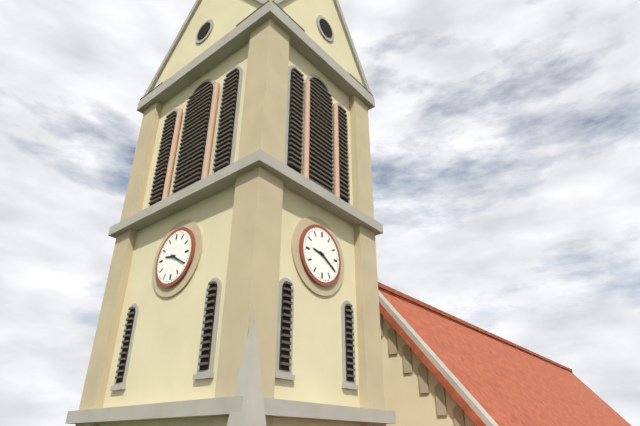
9,20
